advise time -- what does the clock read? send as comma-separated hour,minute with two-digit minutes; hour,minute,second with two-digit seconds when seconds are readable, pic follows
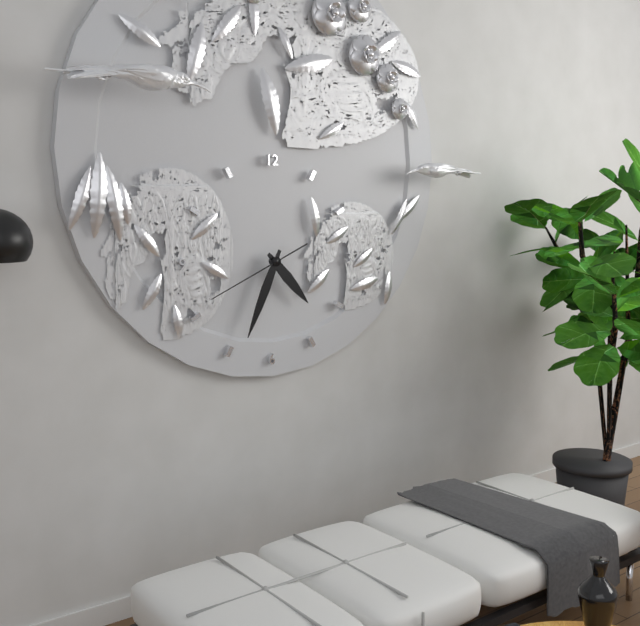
4,34,41
